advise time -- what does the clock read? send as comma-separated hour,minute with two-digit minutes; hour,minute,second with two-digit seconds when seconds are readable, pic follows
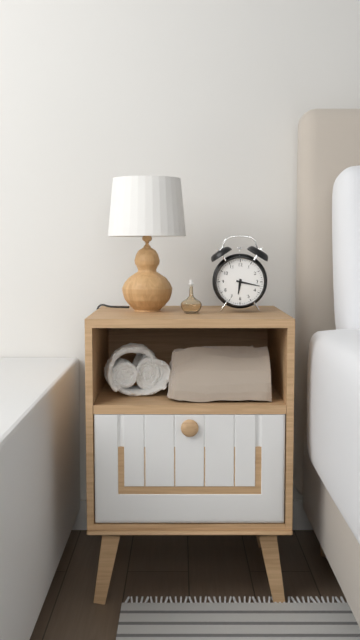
6,17
